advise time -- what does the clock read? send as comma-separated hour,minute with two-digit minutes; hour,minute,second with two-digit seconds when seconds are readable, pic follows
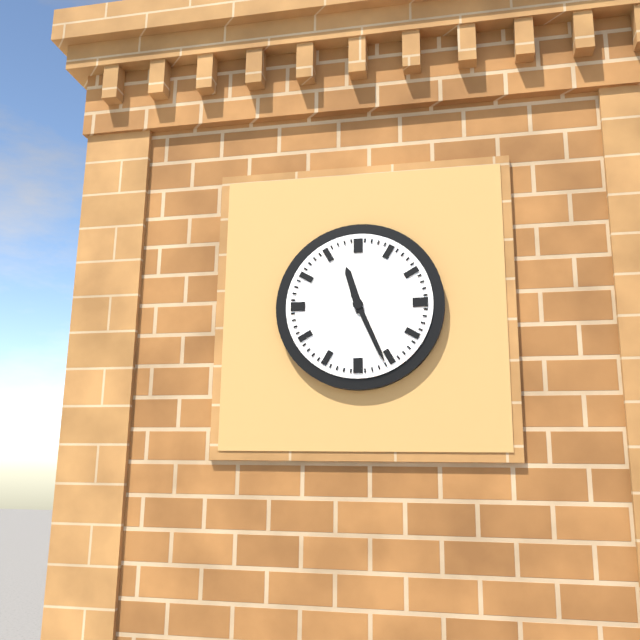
11,26
